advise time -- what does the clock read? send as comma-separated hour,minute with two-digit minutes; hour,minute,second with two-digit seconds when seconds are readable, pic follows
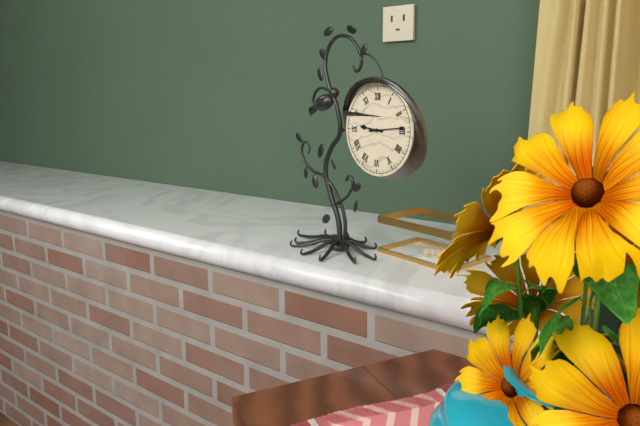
9,14
